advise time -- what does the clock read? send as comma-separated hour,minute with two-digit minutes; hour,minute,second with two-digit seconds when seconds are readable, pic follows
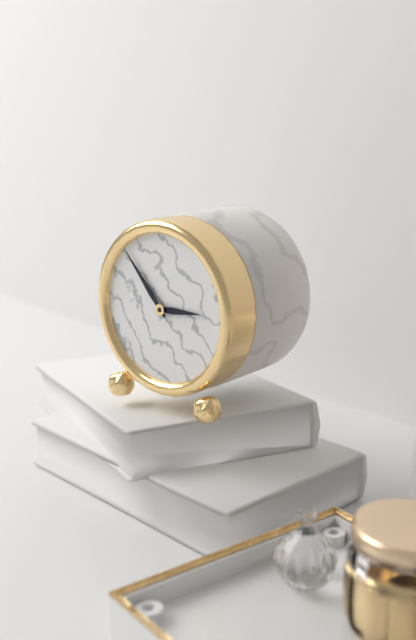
2,53
